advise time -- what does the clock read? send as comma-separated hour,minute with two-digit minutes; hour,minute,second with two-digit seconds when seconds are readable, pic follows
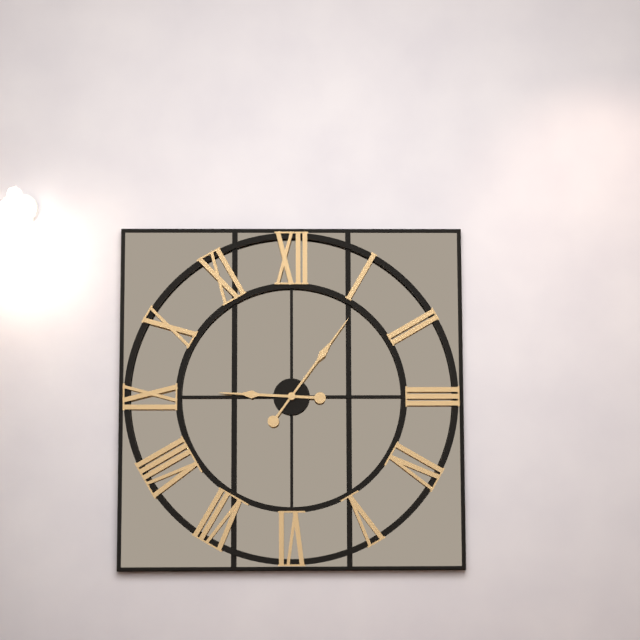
9,06
